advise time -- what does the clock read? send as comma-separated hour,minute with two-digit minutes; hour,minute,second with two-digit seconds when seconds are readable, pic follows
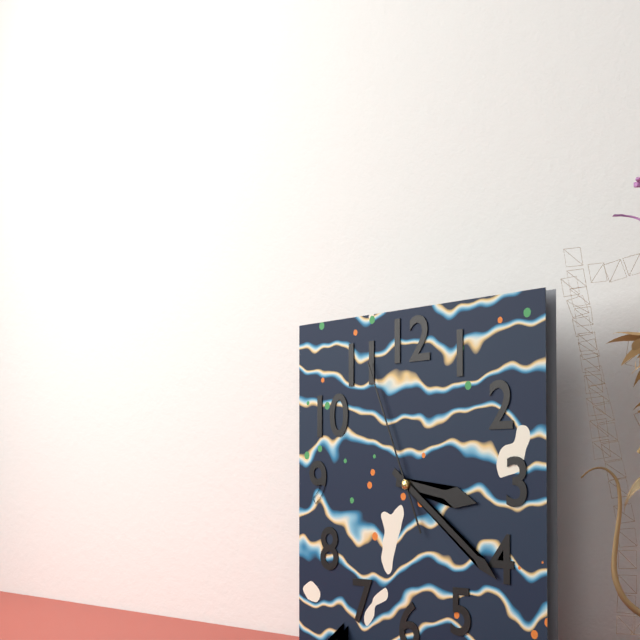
3,21,56
